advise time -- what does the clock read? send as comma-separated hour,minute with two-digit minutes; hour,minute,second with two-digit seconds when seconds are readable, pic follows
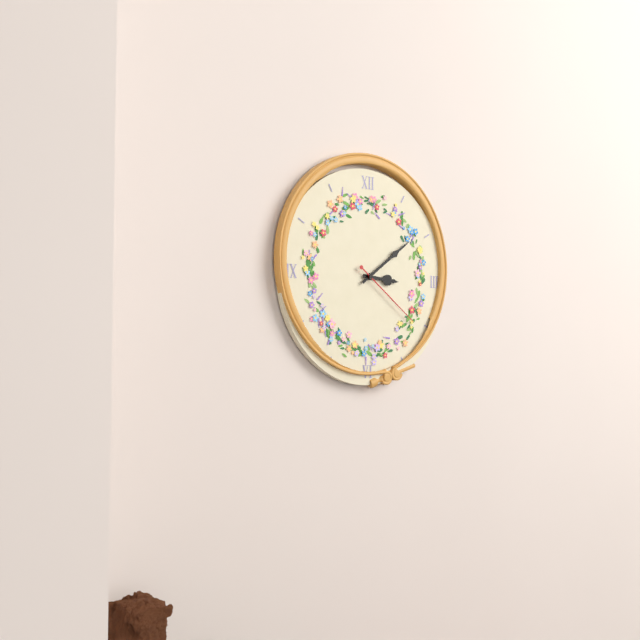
3,09,21
